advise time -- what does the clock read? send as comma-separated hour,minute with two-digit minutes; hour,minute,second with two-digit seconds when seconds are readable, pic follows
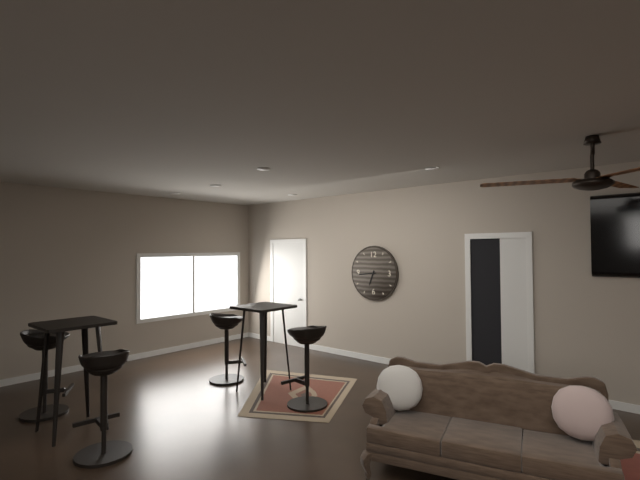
6,44
